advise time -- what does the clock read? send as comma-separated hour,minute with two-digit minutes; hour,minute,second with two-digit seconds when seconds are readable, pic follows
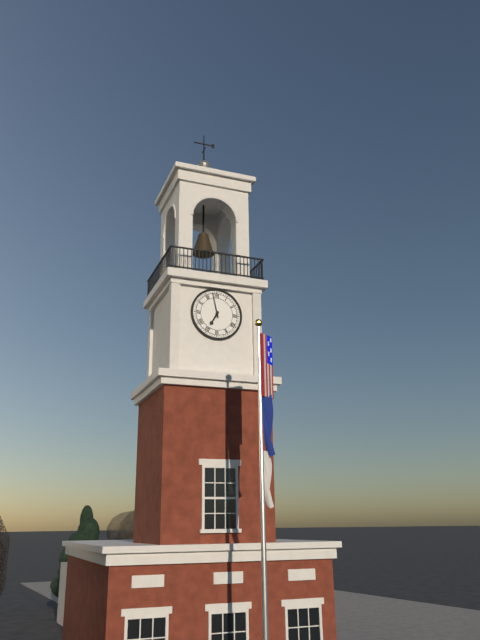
6,58
